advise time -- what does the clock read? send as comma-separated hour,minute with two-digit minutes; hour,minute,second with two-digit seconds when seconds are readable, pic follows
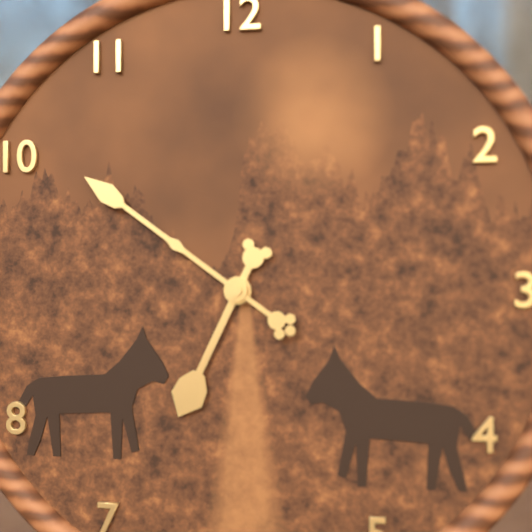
6,51
